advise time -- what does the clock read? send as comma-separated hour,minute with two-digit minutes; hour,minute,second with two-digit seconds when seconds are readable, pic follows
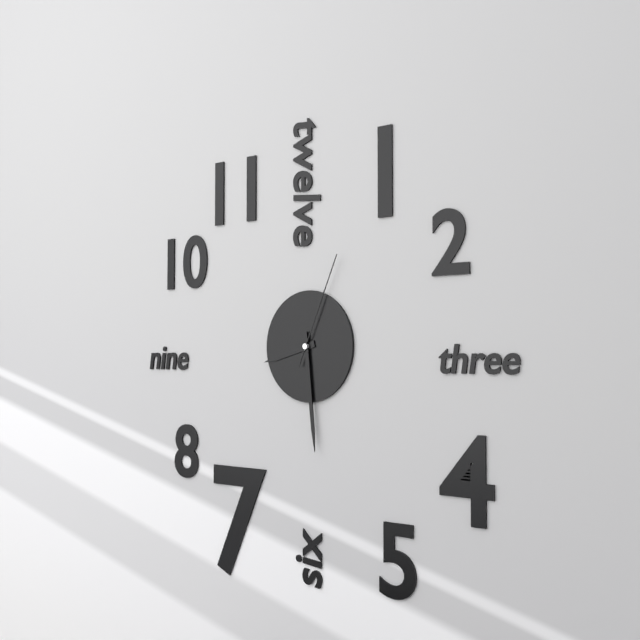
8,29,04
